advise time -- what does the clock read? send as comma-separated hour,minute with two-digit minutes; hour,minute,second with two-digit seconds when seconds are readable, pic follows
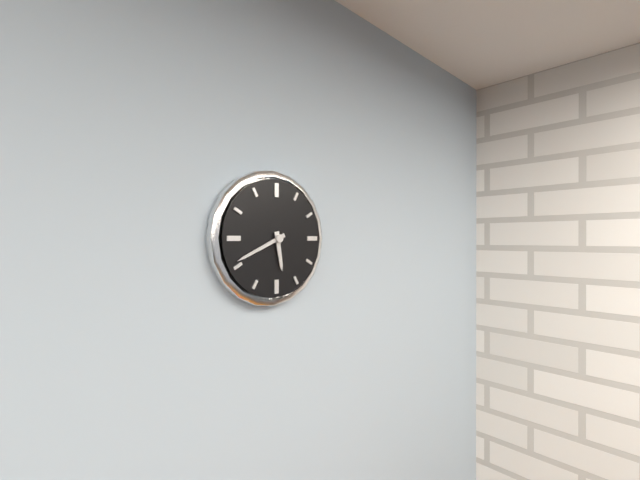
5,41
